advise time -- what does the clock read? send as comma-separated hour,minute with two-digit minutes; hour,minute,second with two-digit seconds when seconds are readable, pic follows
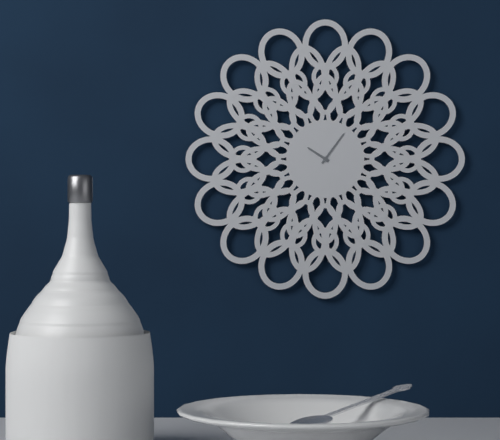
10,06
